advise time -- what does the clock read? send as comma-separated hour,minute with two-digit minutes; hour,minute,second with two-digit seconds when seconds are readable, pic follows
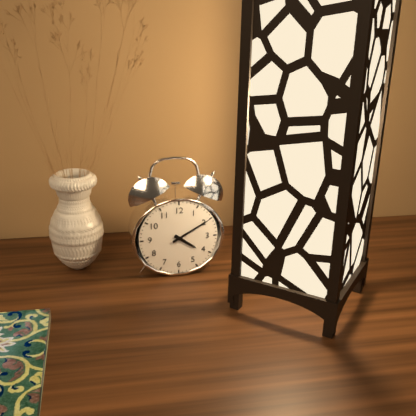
4,10
